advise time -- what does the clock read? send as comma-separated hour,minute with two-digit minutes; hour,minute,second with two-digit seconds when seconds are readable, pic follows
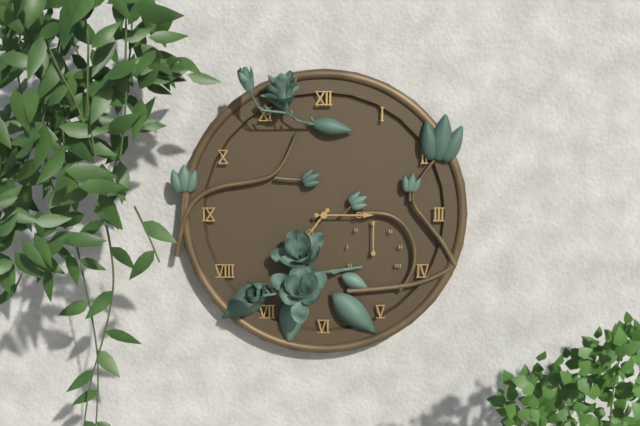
7,15
